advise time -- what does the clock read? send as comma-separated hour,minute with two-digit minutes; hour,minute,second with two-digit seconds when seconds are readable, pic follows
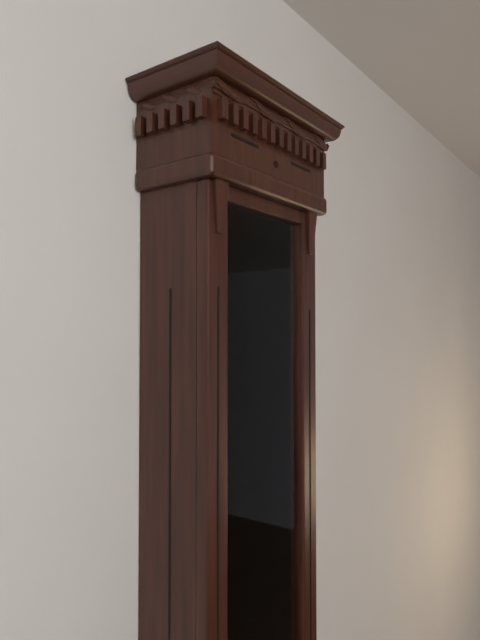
1,30
